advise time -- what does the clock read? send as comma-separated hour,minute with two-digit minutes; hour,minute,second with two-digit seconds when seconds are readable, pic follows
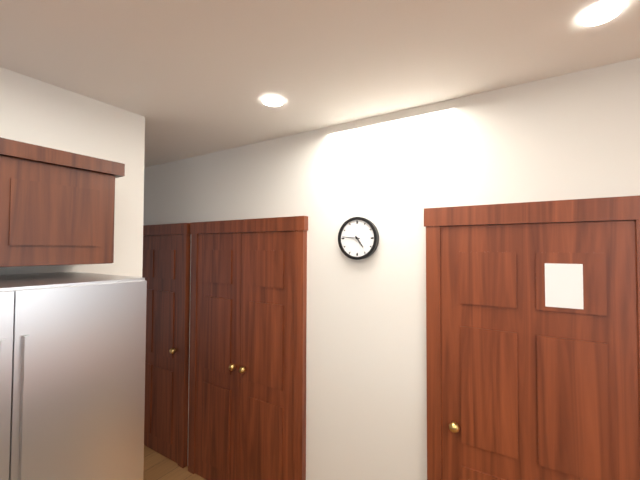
4,46
